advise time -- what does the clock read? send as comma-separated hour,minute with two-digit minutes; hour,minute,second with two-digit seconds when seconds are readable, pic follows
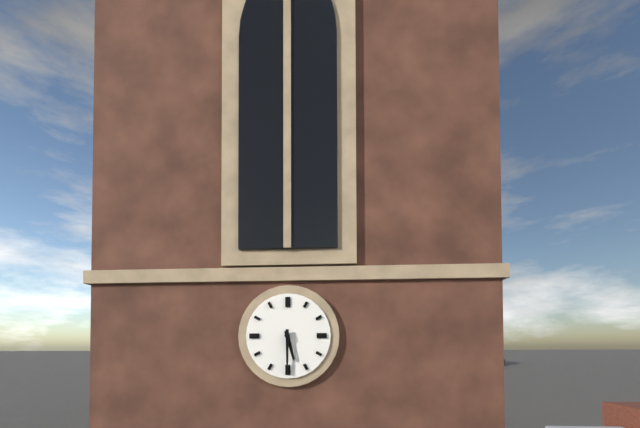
5,30
